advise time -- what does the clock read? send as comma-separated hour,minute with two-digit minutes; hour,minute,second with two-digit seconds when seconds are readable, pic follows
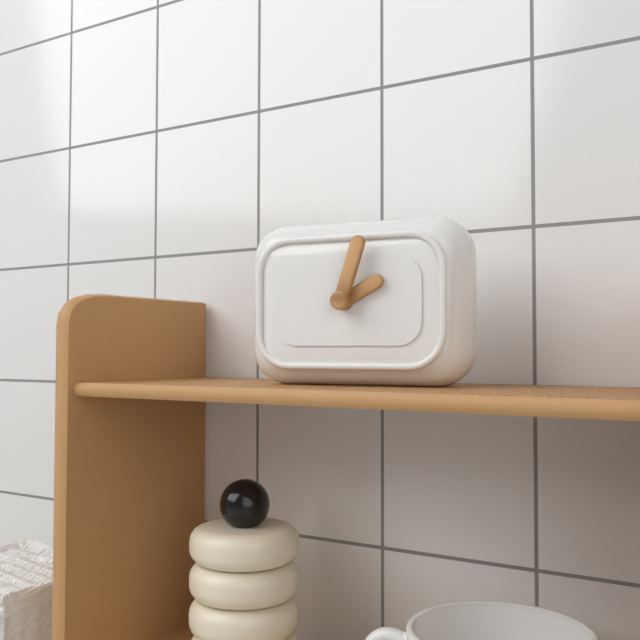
2,03
